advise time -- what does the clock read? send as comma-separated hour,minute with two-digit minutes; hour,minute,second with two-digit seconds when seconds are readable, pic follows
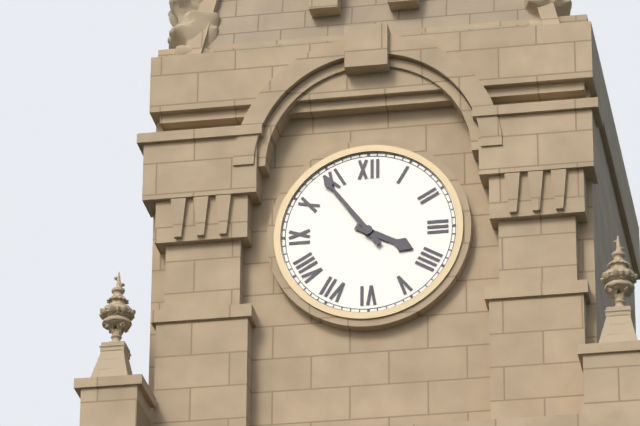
3,54
